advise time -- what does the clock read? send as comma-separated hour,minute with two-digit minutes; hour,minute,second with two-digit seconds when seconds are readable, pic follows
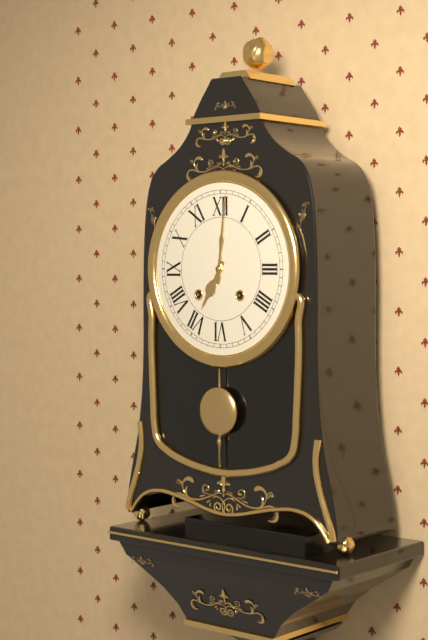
7,01
